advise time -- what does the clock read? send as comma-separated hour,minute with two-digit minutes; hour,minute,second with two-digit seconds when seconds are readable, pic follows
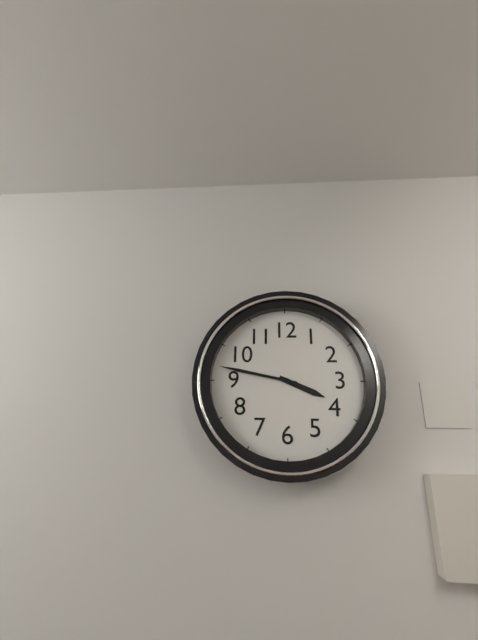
3,47
